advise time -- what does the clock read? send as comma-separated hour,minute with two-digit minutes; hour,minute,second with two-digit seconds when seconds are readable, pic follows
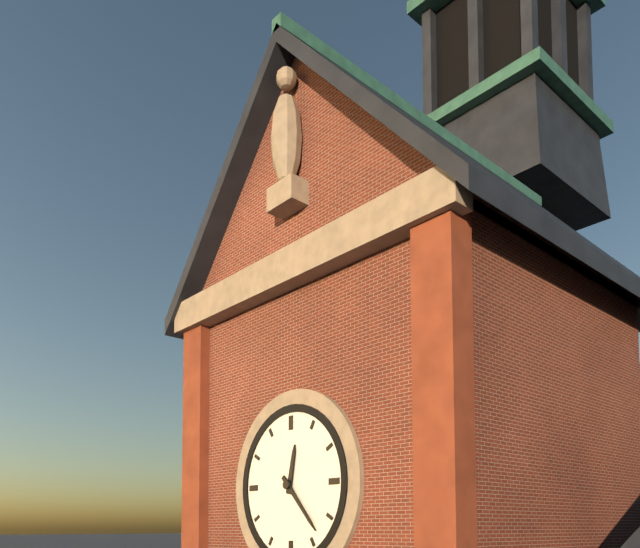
12,23
